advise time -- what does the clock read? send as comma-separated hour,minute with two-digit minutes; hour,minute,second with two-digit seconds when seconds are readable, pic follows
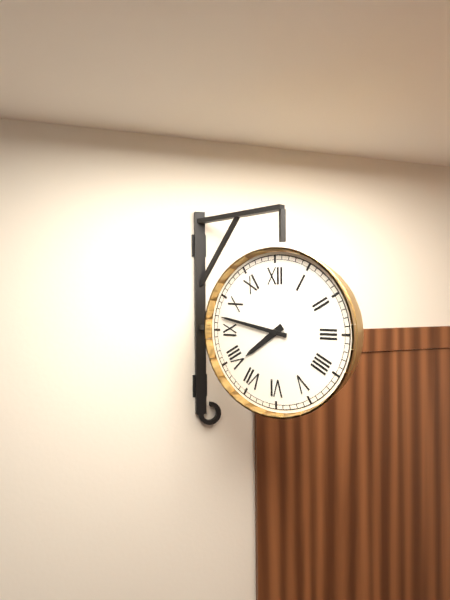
7,47
